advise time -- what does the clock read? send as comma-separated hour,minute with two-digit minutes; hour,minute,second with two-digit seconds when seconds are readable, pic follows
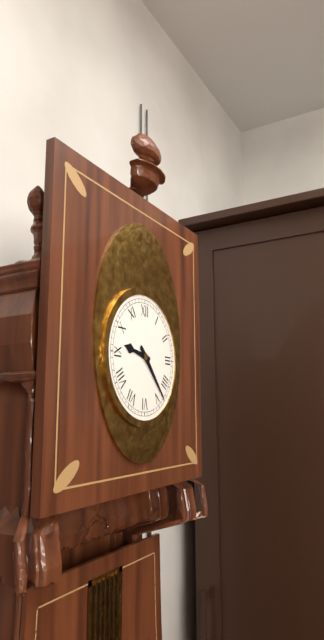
9,23
